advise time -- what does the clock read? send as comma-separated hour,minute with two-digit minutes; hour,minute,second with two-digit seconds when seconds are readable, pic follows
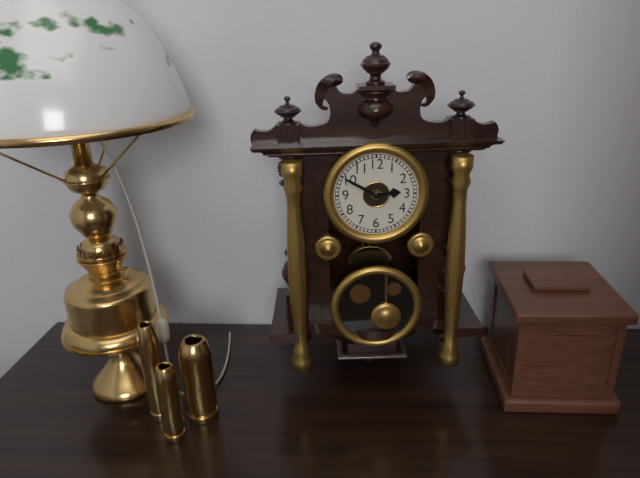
2,50
